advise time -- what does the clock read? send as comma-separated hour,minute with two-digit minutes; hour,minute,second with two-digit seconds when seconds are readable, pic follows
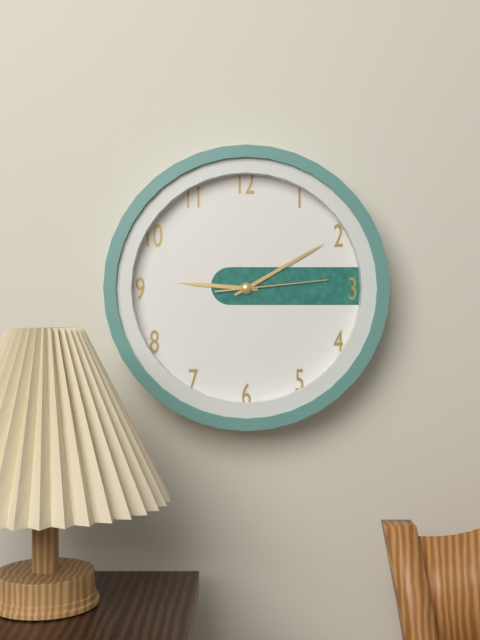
9,10,14
